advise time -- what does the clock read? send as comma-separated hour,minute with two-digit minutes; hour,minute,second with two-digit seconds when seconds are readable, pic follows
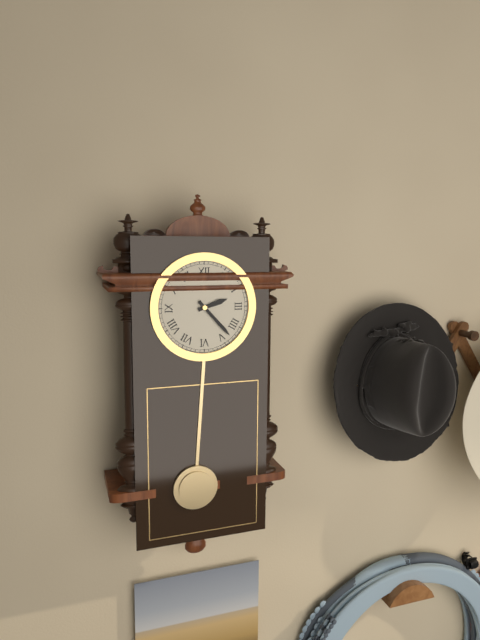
2,23
